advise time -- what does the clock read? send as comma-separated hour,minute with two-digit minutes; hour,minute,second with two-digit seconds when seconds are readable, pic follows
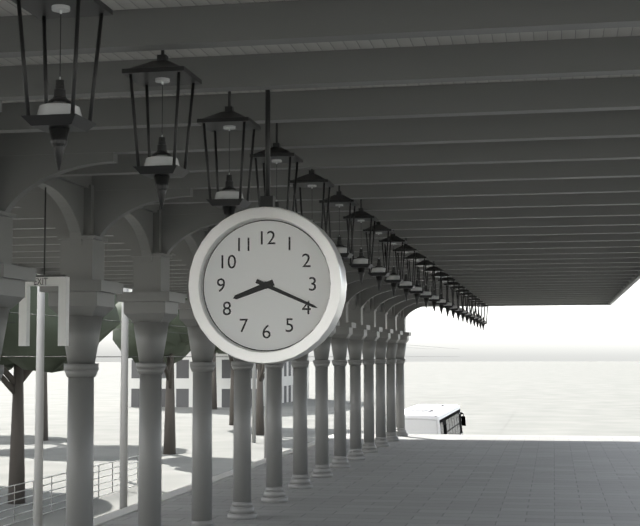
8,19
